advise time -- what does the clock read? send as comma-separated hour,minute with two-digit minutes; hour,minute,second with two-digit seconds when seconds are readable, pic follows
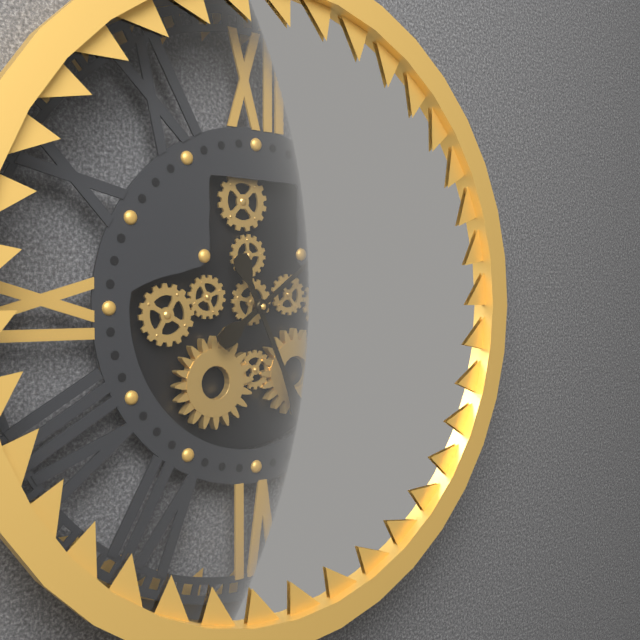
5,09
